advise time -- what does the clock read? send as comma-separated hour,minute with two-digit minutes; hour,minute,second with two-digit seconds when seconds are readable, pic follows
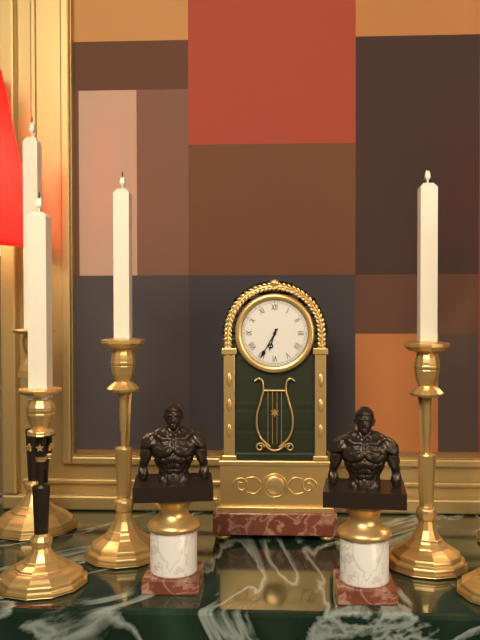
6,35
